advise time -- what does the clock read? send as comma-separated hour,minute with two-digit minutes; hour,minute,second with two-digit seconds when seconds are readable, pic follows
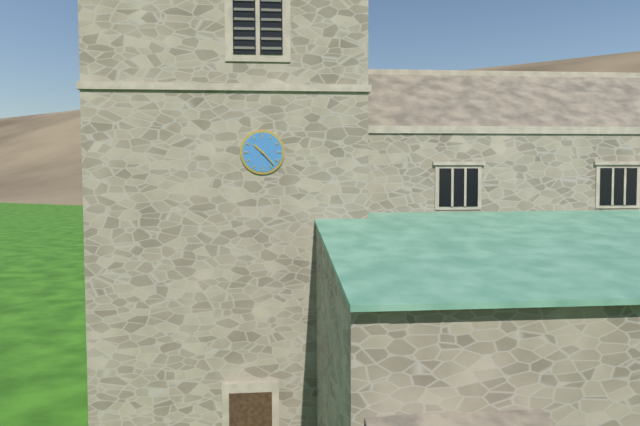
10,23
